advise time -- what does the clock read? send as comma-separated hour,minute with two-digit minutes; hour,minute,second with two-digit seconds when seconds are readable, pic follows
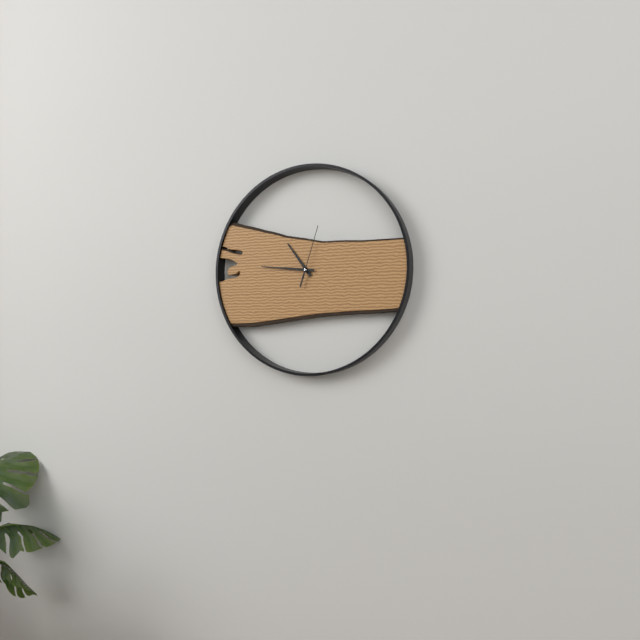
10,46,03
